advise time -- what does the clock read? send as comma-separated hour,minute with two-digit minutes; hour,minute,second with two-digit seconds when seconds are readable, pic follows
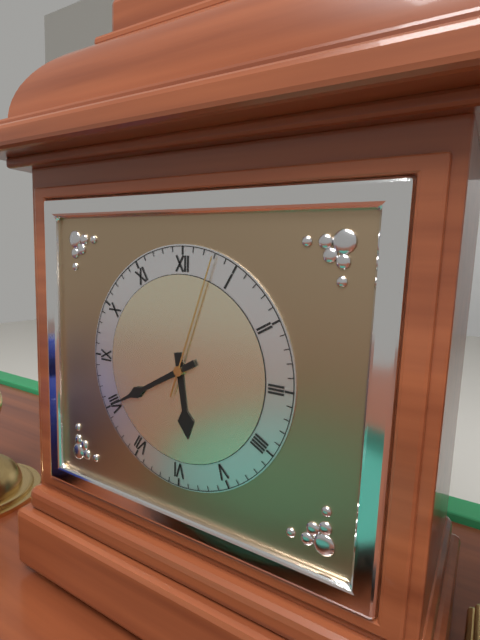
5,40,03
